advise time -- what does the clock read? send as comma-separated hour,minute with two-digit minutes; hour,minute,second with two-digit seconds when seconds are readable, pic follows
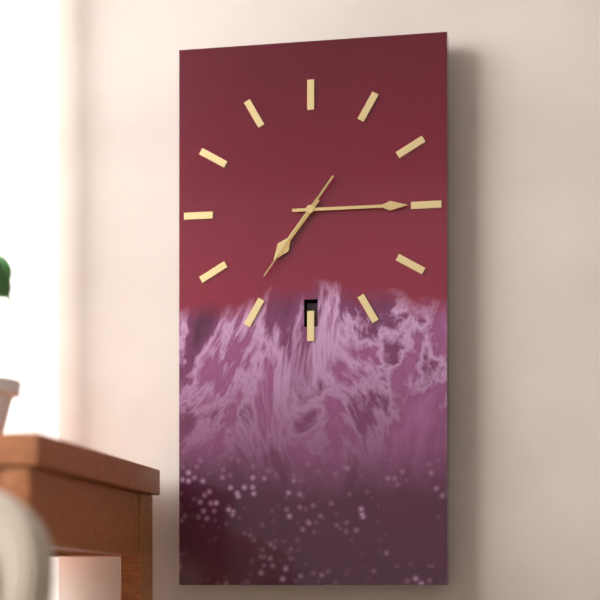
7,15,36
